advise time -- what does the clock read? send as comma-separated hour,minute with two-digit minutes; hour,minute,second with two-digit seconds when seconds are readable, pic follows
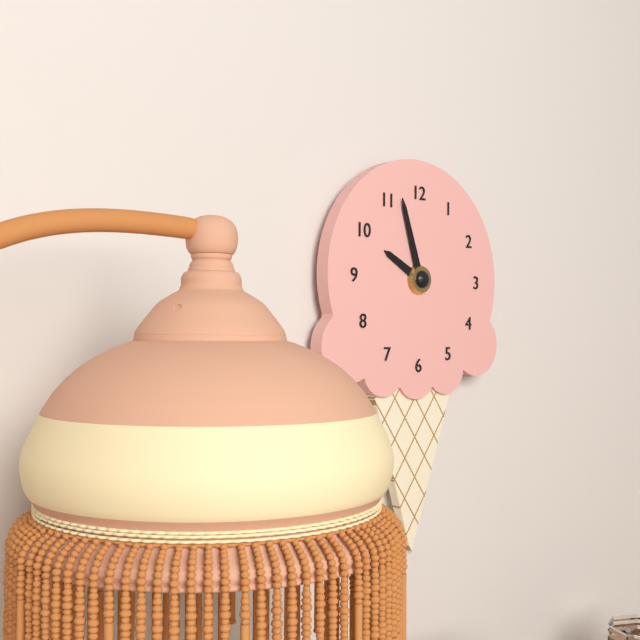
9,57
